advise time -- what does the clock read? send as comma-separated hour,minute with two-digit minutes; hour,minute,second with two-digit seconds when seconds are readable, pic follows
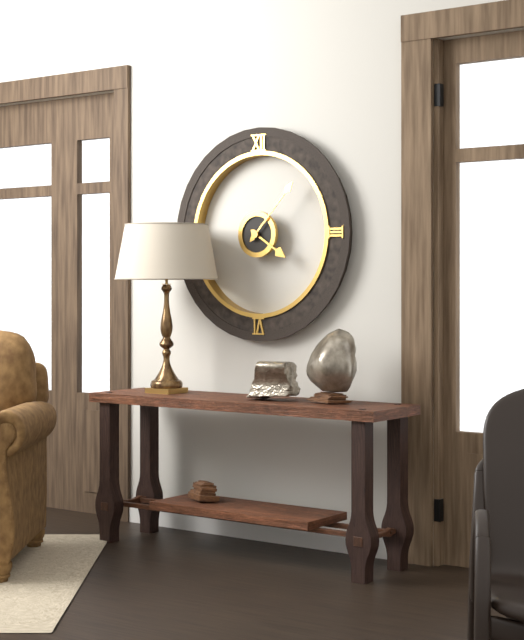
4,07
